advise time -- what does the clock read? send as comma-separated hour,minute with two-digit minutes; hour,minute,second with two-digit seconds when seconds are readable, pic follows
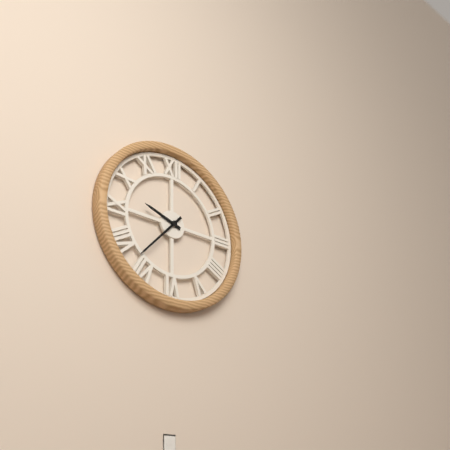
9,37
